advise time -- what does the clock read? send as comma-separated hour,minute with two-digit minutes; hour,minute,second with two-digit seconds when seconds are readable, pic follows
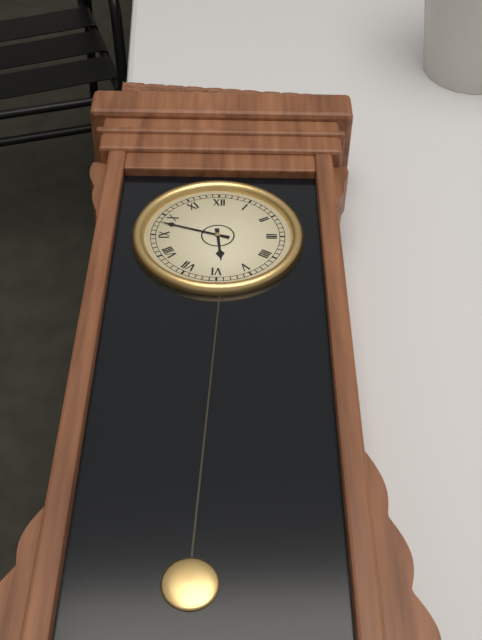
5,48
